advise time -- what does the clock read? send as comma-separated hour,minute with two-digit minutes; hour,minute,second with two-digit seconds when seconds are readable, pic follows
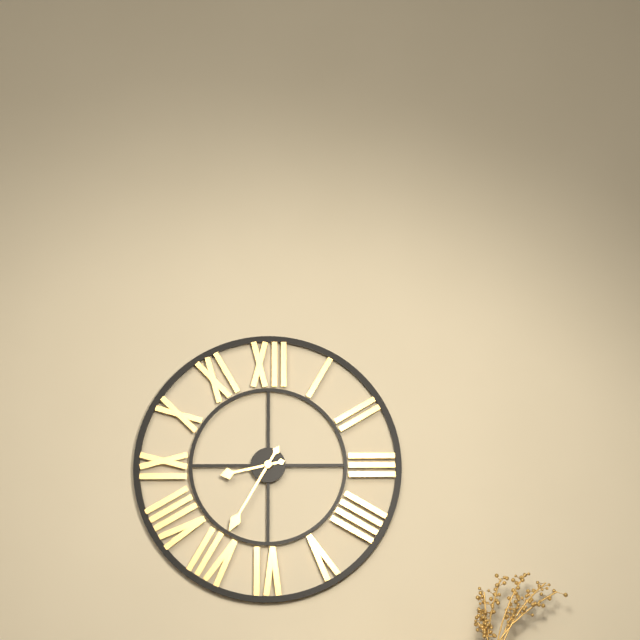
8,35
